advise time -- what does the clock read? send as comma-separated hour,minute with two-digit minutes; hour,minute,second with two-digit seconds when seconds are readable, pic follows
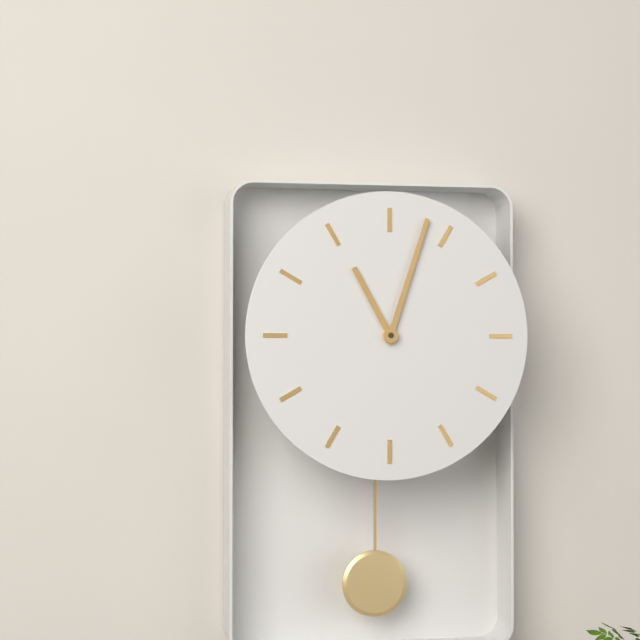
11,03
